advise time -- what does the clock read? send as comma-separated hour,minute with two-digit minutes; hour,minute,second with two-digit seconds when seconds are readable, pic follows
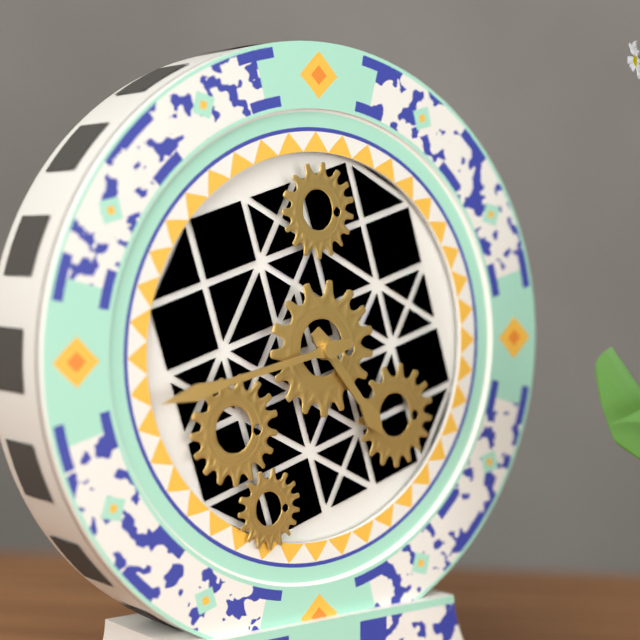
4,43
